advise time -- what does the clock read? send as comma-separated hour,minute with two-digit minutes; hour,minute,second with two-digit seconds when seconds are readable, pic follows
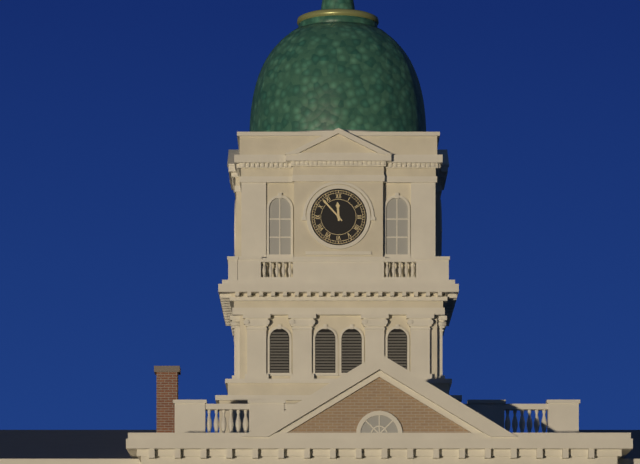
11,53
